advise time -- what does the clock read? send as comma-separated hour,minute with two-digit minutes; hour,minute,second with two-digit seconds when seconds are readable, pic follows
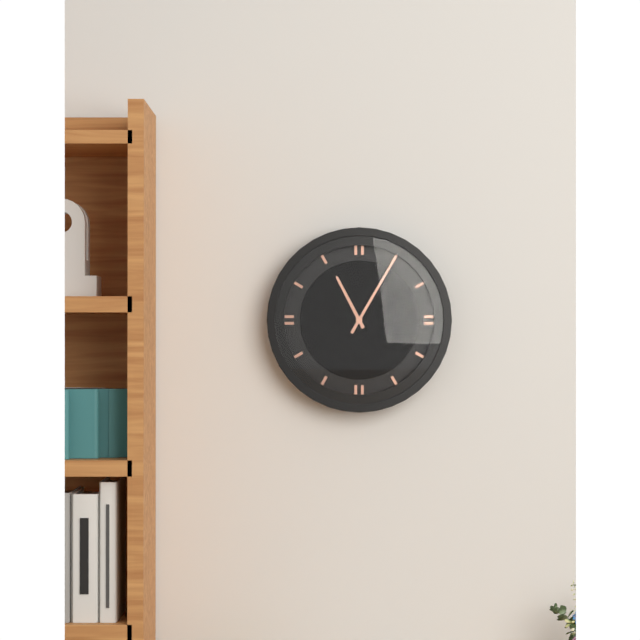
11,05
